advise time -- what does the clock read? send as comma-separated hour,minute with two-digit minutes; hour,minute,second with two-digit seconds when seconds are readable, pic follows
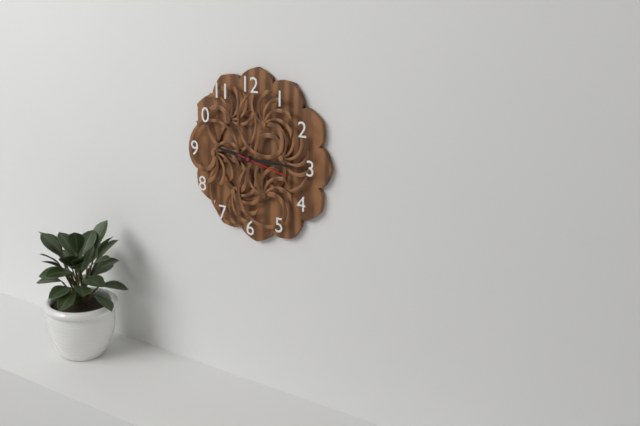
9,15,17
